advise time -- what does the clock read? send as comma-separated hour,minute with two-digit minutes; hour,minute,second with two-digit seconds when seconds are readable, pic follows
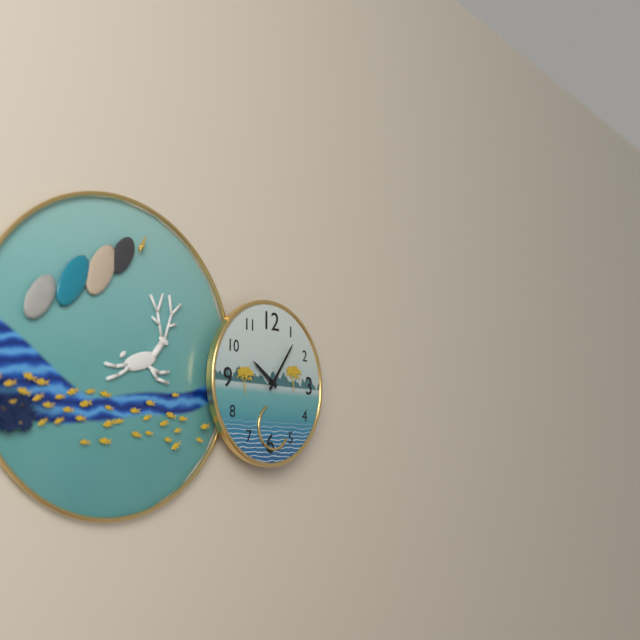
10,06
